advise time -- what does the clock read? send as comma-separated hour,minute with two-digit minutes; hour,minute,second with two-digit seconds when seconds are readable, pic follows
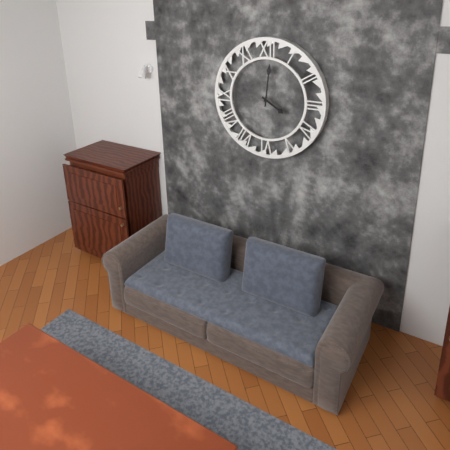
4,01
